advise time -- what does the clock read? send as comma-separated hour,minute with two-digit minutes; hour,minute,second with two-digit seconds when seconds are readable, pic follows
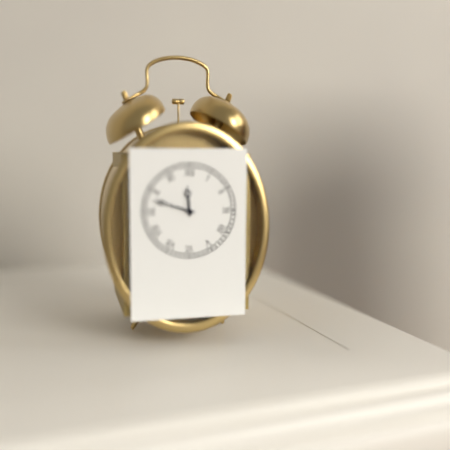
11,48
